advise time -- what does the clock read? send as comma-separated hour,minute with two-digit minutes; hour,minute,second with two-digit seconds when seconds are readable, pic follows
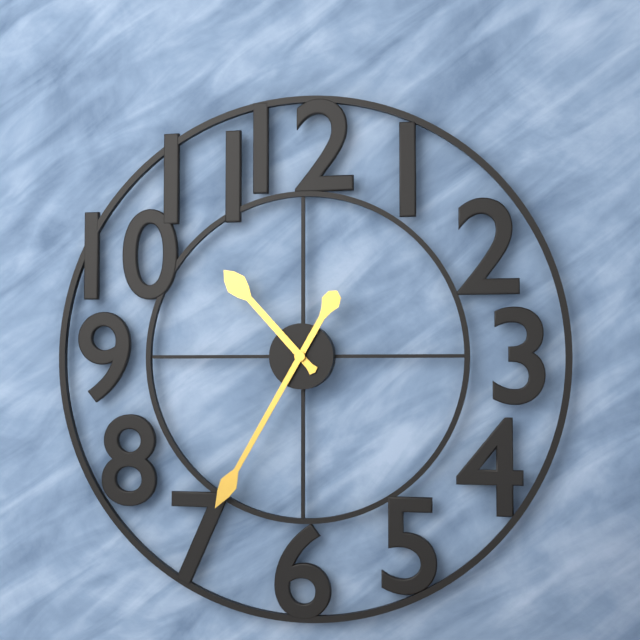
10,35
